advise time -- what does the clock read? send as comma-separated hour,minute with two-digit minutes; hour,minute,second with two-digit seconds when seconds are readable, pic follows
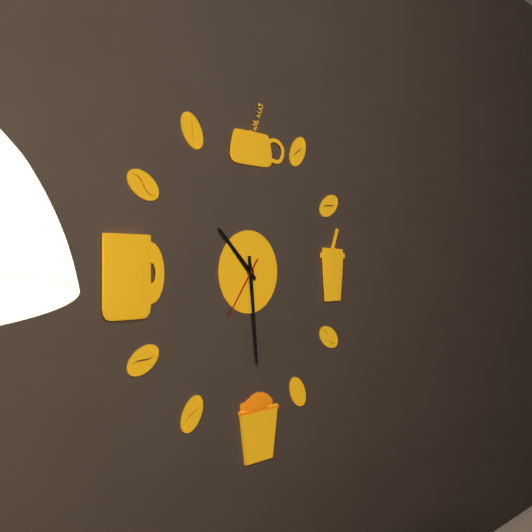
10,29,36
